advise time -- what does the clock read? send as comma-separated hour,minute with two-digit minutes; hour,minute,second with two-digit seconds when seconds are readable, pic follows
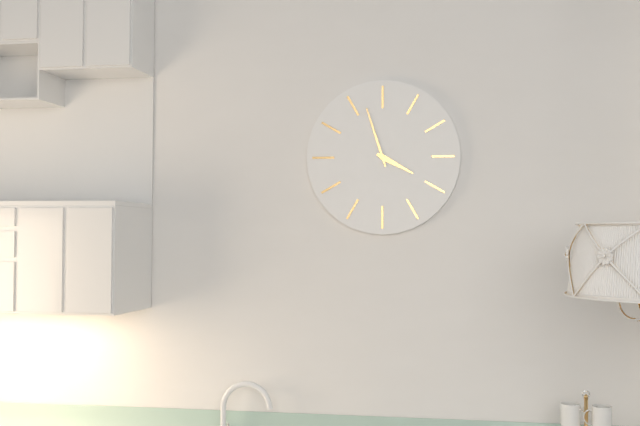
3,57
